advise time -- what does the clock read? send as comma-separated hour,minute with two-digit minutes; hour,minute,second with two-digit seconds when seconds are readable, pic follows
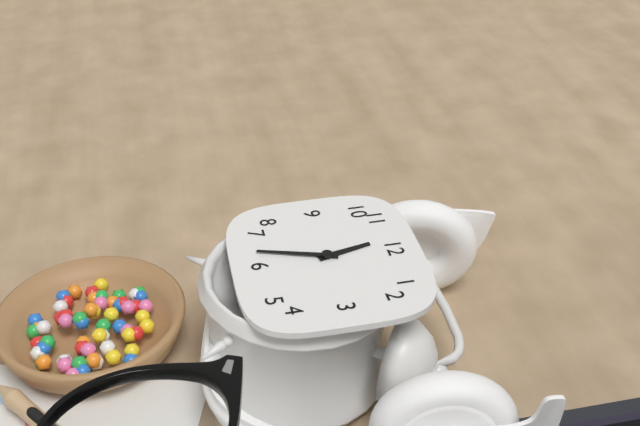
11,33
